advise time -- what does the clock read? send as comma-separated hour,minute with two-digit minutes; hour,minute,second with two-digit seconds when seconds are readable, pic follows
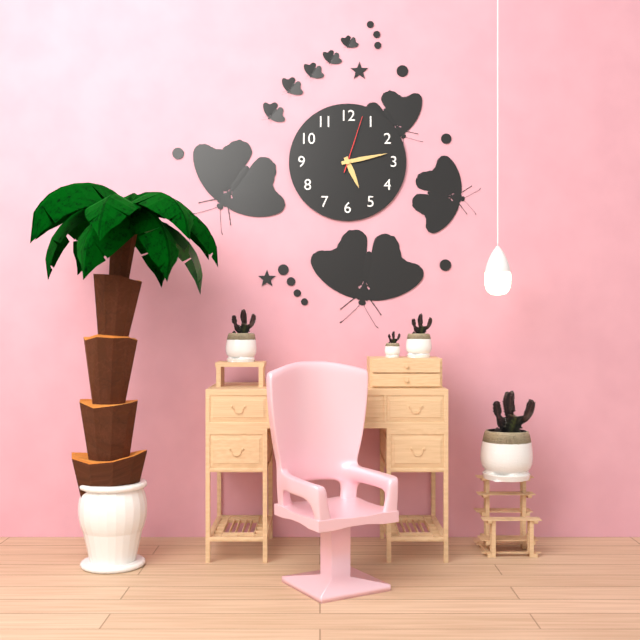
5,13,03
